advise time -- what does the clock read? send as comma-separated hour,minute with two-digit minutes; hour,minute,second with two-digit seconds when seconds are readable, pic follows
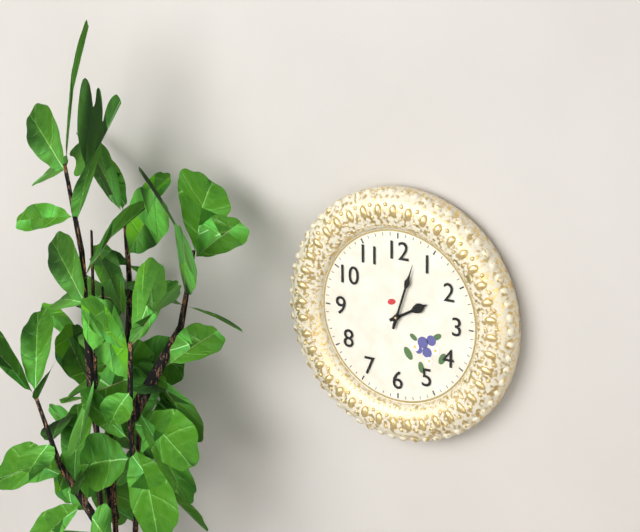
2,03
